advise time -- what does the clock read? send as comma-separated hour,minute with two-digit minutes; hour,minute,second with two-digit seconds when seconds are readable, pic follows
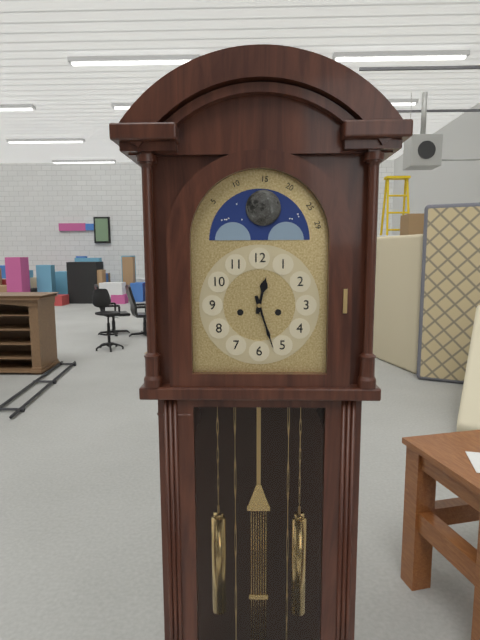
12,27
